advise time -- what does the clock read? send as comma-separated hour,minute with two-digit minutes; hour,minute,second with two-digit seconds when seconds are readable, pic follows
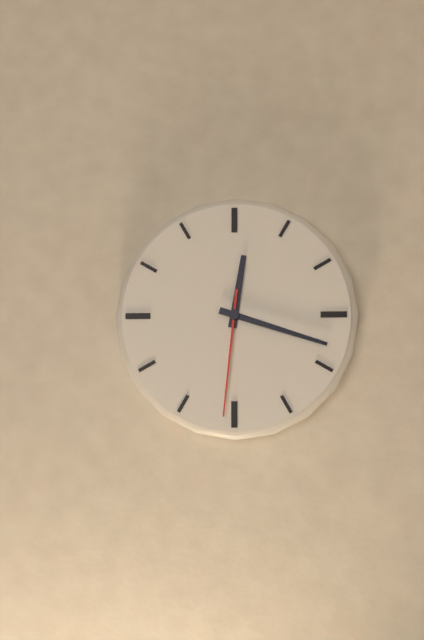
12,18,31
